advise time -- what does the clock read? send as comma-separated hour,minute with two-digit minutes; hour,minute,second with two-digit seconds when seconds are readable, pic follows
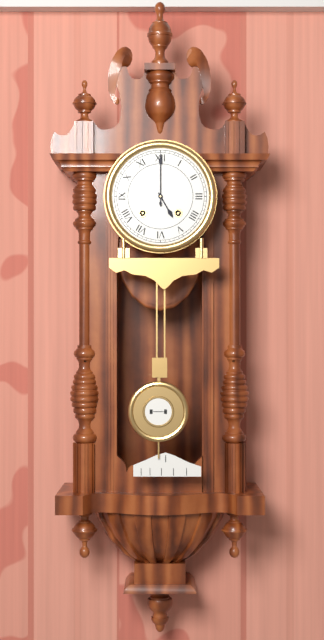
5,00
